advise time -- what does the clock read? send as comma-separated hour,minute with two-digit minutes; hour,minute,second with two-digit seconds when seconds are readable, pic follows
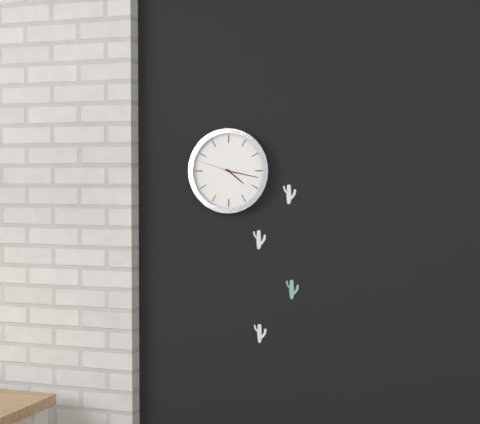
4,17
